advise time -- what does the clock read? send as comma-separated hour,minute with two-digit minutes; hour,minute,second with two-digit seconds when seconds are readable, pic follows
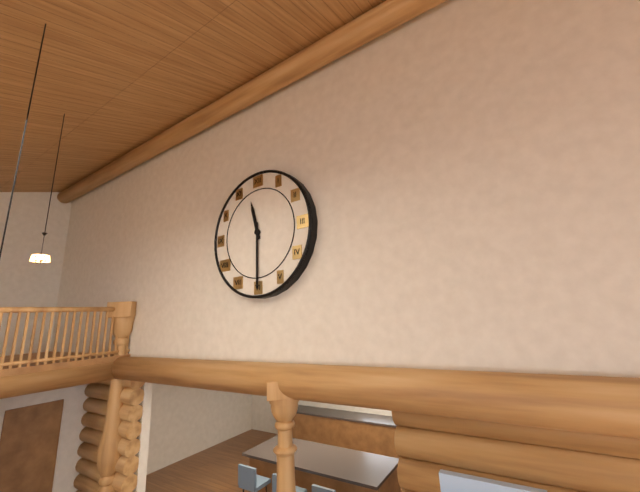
11,30
